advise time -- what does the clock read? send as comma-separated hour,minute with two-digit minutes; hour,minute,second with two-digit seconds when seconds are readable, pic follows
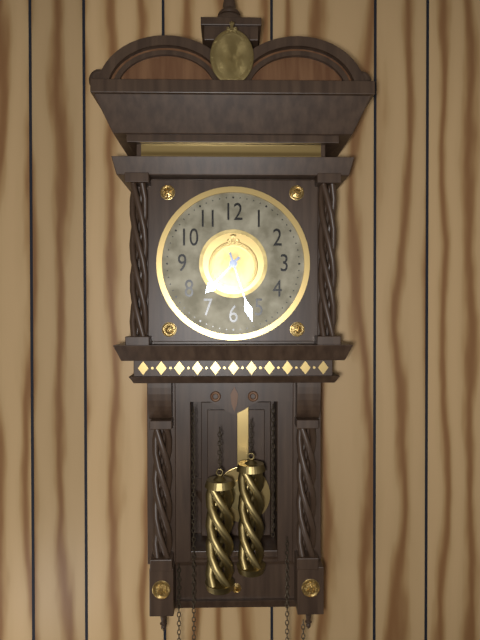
7,27
